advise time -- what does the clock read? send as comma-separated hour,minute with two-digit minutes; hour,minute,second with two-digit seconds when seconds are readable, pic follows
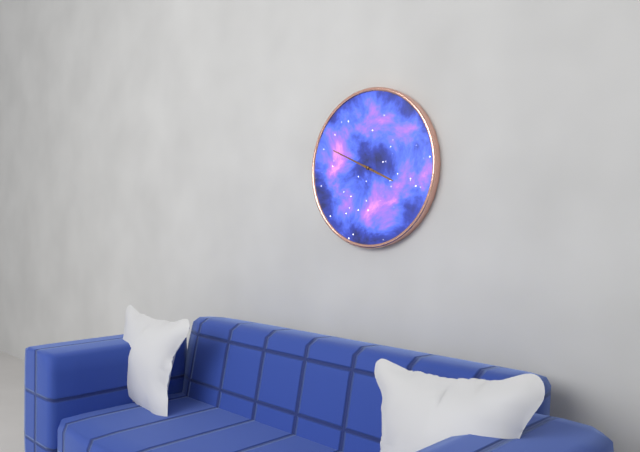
3,49
